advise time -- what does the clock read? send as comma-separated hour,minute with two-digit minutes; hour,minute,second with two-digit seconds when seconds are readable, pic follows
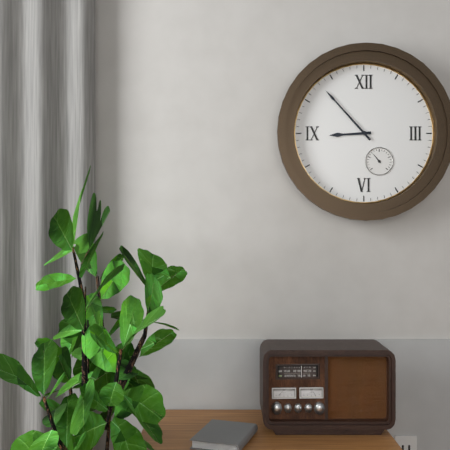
8,53
